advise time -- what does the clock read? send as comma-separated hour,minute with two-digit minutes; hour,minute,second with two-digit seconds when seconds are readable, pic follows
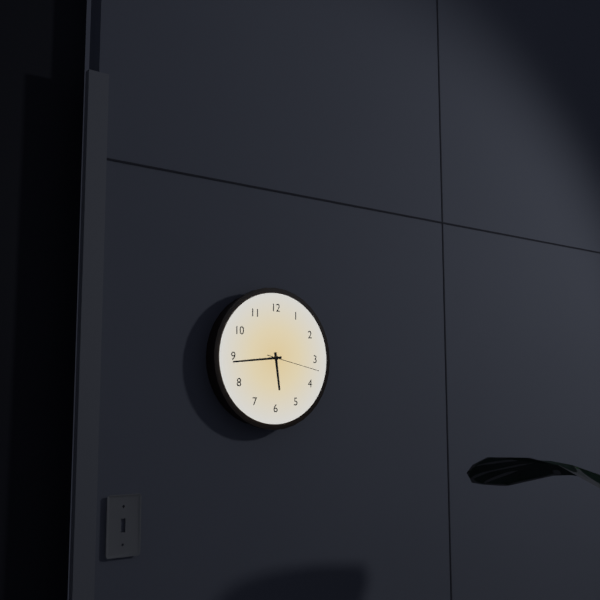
5,44,17
